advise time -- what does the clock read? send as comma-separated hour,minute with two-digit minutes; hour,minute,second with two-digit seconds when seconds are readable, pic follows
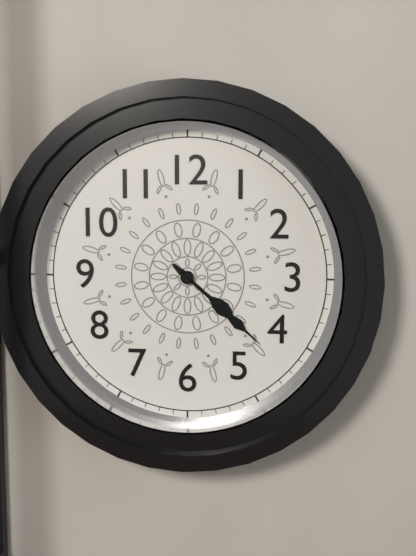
4,22
